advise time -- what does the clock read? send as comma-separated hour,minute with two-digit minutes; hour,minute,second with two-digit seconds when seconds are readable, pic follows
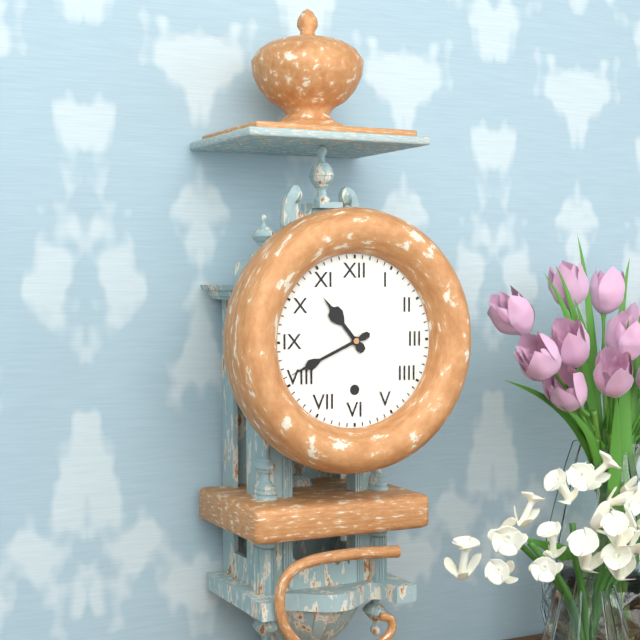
10,41
